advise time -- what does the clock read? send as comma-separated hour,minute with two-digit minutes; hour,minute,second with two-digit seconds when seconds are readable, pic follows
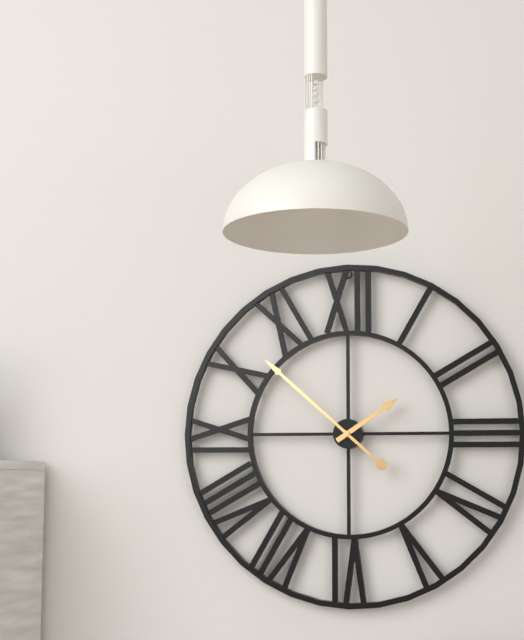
1,52
